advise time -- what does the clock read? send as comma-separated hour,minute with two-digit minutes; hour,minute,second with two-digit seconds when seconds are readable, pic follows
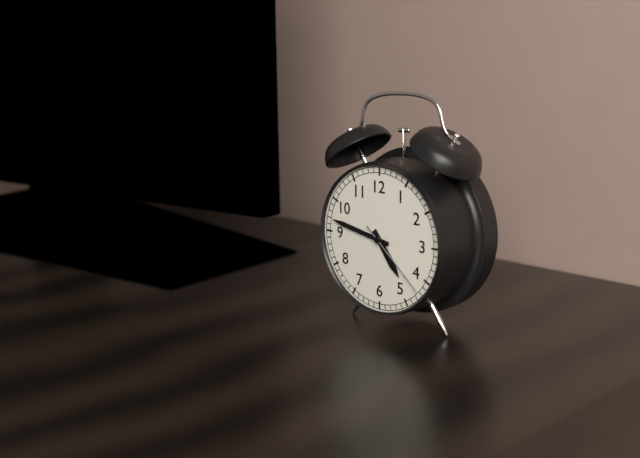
4,47,22
